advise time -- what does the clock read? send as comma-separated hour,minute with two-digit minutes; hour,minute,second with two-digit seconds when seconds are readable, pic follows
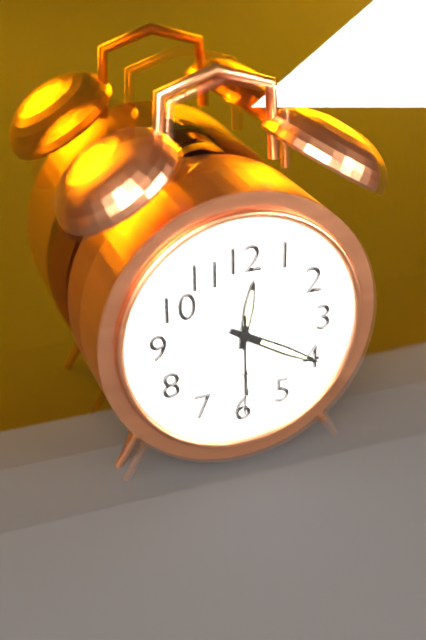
12,20,30
